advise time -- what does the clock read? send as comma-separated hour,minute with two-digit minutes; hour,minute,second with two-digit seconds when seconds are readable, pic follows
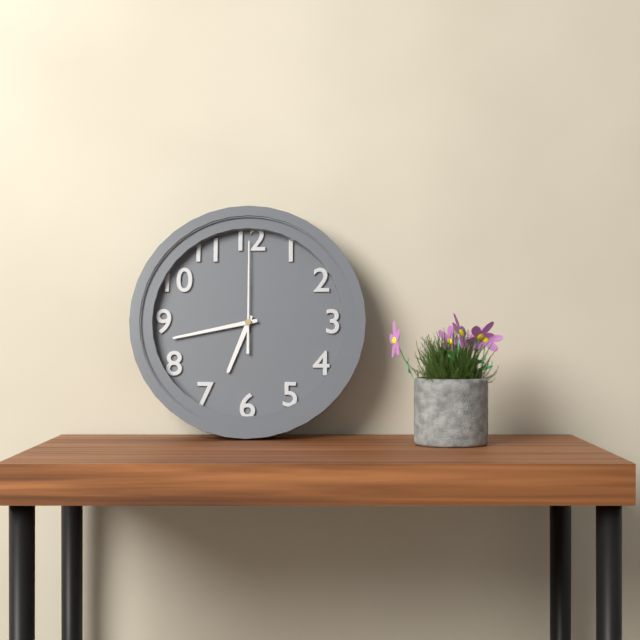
6,43,00
